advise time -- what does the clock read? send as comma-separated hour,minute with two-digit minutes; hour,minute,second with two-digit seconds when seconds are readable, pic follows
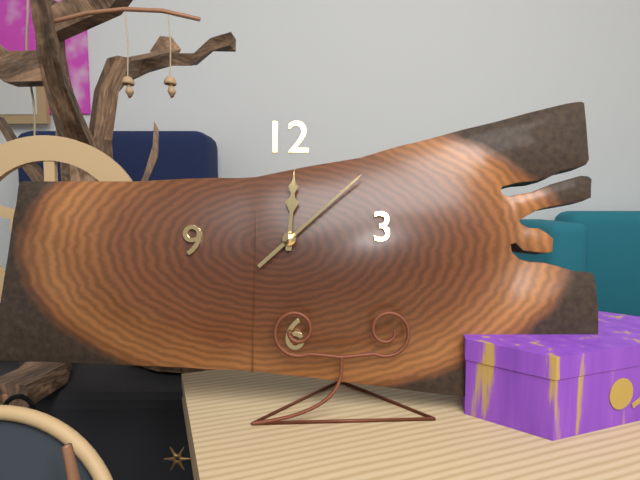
12,08
